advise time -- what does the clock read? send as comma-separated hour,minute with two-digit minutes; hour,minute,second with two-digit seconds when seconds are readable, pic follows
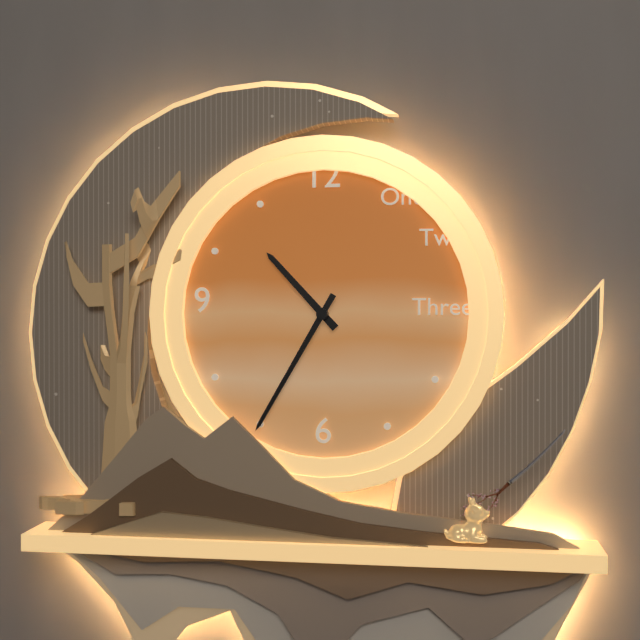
10,35
